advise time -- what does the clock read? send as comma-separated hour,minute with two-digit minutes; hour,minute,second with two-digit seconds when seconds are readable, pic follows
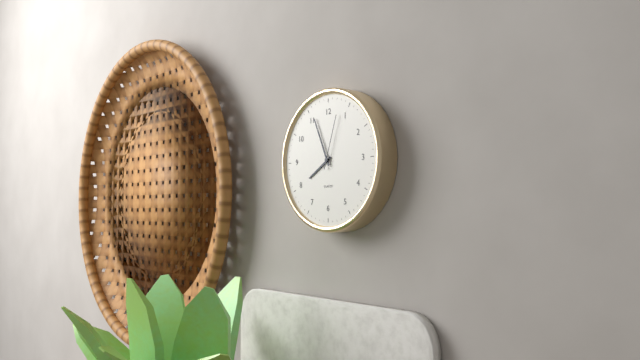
7,56,03
